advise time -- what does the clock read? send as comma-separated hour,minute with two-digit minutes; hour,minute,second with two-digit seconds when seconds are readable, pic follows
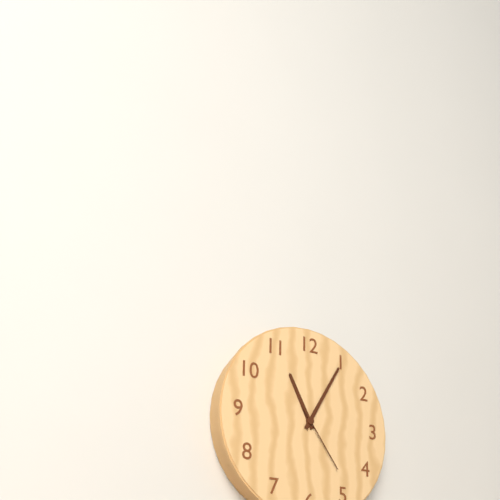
11,05,24
